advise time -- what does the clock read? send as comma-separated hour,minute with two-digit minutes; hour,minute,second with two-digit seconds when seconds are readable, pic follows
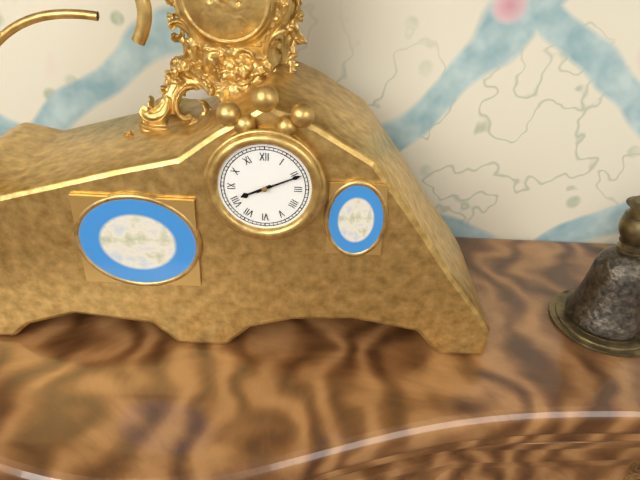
8,11
